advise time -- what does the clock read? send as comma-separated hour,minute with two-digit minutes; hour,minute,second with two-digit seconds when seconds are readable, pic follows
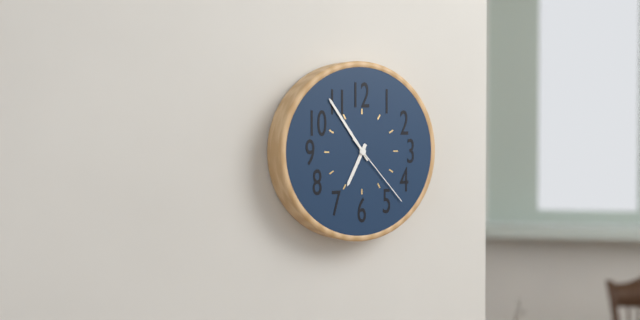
6,54,23
